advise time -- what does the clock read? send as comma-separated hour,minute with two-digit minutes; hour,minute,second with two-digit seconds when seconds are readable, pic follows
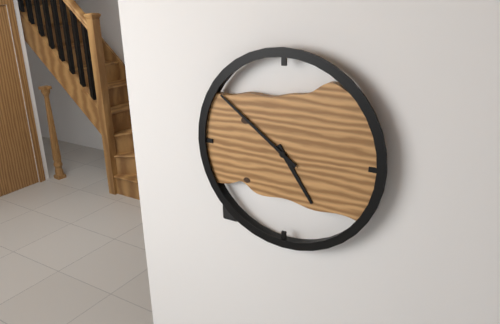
4,51
